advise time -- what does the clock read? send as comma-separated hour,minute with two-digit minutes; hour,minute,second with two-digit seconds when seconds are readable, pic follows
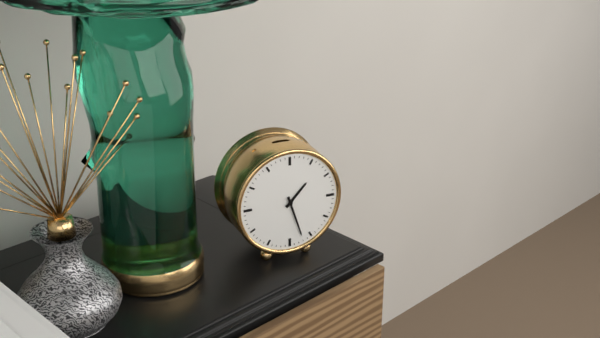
1,27
